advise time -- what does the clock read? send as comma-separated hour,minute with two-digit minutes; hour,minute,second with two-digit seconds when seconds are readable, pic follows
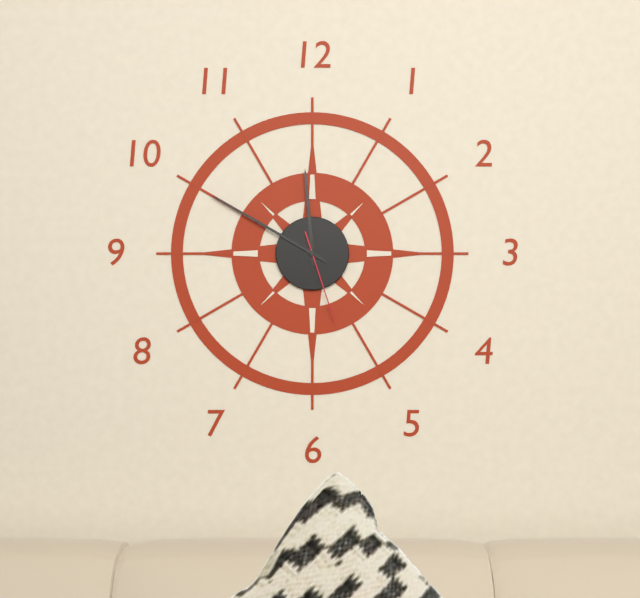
11,50,27
